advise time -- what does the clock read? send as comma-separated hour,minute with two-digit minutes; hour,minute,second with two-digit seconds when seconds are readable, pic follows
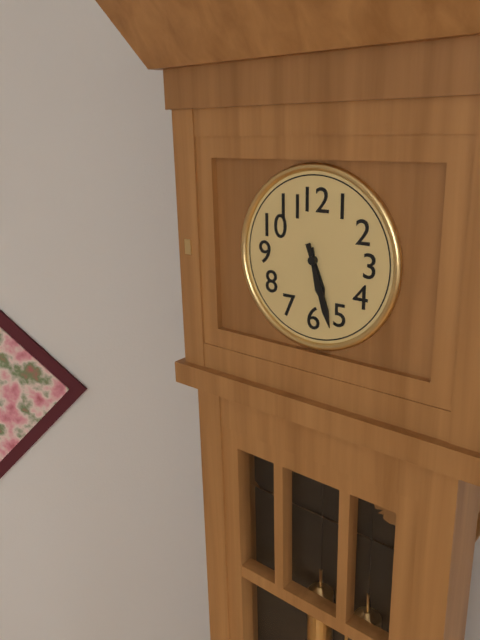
5,27
